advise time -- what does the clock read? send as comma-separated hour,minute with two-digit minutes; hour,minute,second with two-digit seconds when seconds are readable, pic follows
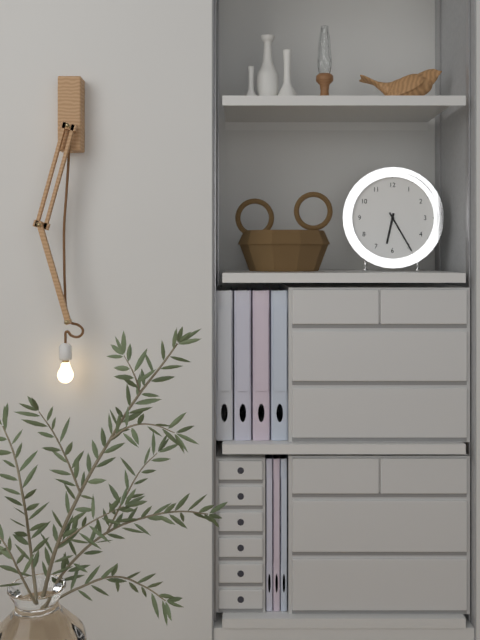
6,25
